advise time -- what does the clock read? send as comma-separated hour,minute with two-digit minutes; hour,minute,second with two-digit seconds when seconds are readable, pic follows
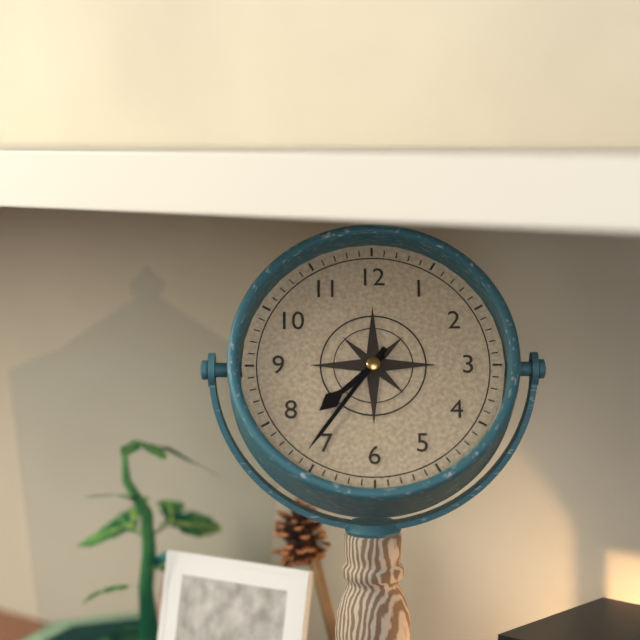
7,36
